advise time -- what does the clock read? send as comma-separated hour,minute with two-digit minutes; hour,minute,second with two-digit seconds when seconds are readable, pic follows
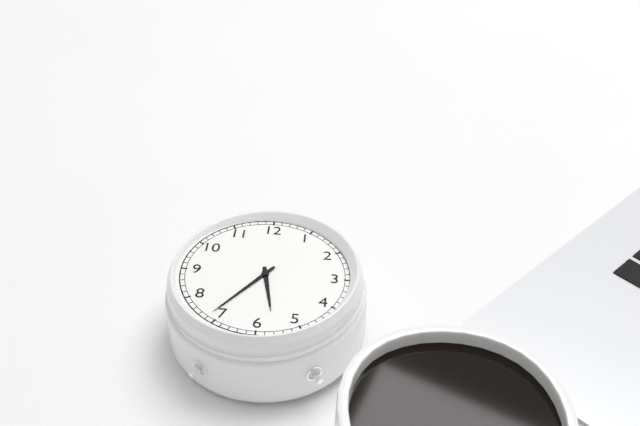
5,36
